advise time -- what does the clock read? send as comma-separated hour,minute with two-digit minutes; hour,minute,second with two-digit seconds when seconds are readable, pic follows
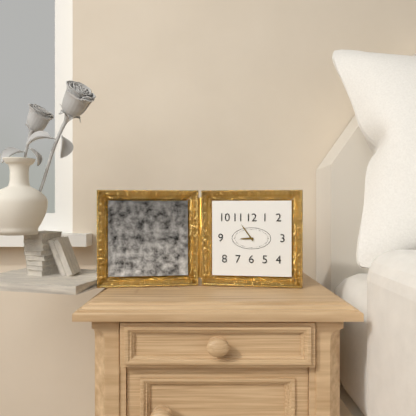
8,54
